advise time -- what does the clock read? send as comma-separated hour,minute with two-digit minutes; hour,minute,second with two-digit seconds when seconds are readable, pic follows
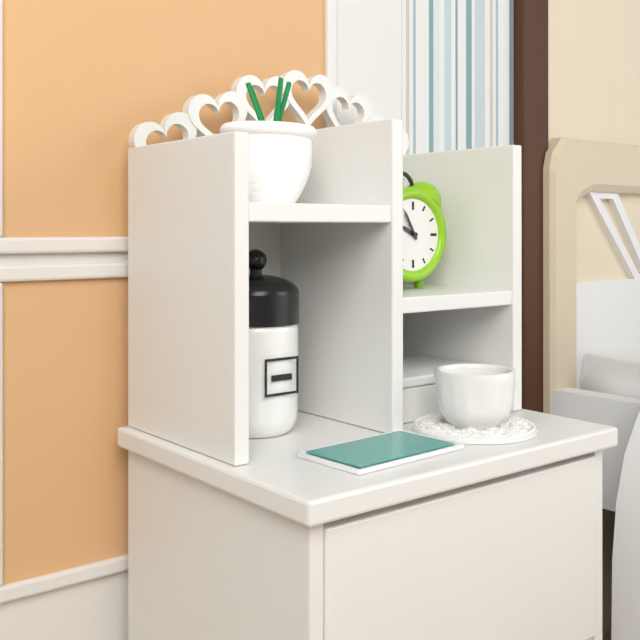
9,55
